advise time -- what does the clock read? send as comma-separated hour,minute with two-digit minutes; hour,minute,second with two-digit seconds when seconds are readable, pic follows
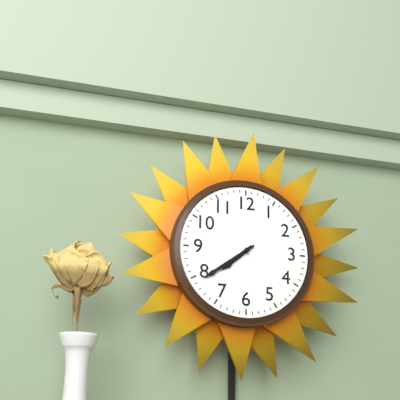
7,39
